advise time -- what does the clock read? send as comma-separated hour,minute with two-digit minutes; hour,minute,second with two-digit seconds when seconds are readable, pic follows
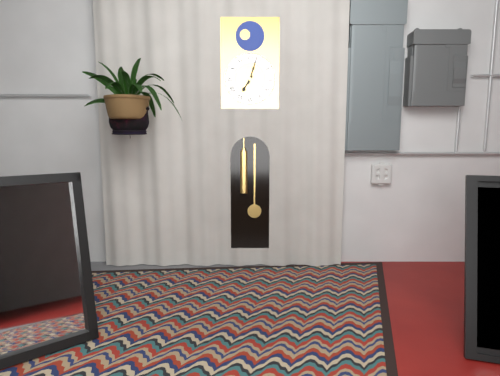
7,03
